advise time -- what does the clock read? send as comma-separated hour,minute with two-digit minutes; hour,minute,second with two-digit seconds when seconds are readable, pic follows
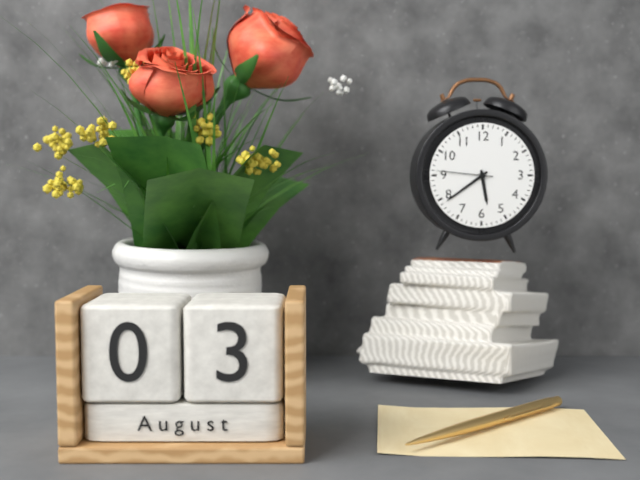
5,39,46
